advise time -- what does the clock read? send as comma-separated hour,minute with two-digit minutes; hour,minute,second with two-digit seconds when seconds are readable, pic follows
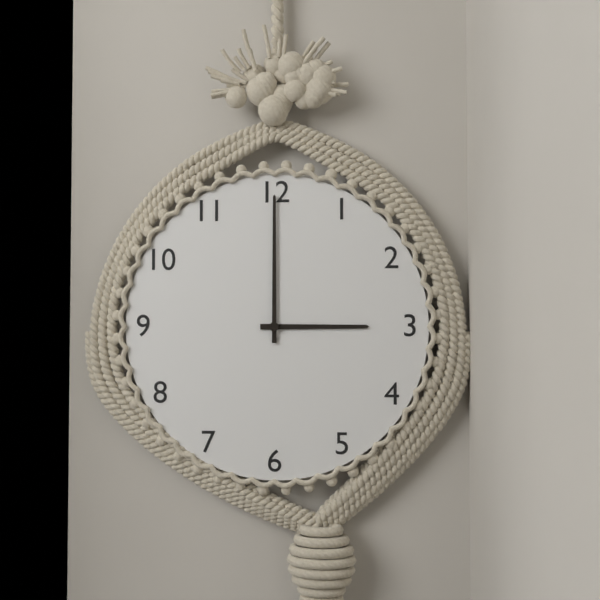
3,00
